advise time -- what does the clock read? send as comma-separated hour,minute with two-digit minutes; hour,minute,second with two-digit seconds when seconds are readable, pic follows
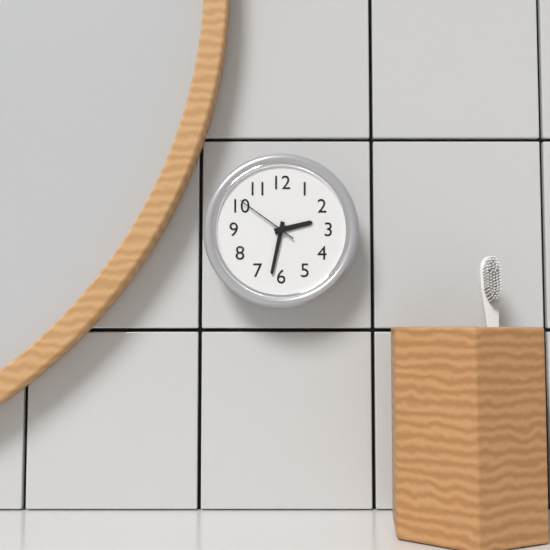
2,32,51
